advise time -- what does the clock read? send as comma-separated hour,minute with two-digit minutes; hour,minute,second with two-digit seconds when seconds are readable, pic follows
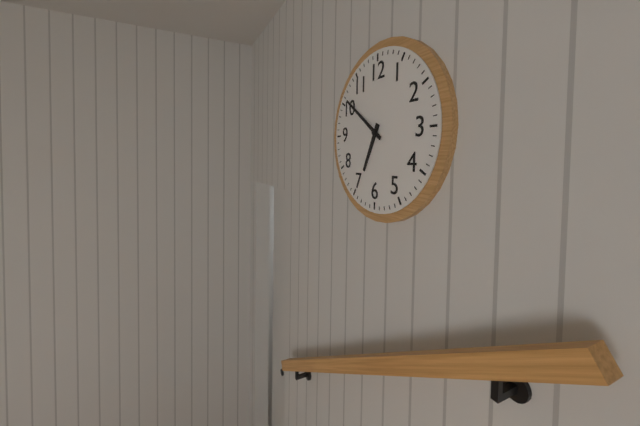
6,51
